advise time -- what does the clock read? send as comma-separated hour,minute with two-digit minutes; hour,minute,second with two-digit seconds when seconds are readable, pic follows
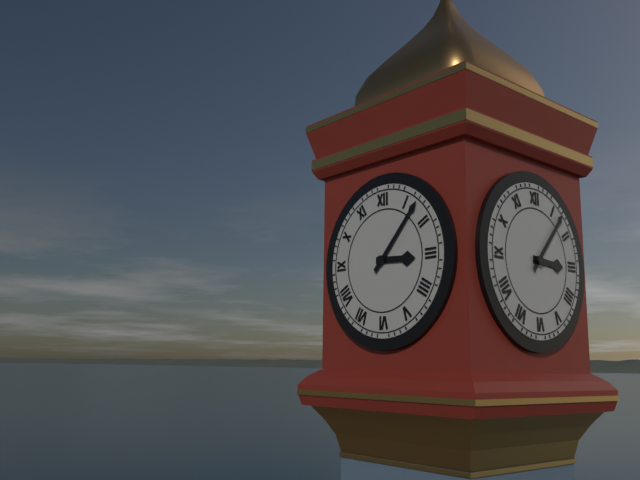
3,07
